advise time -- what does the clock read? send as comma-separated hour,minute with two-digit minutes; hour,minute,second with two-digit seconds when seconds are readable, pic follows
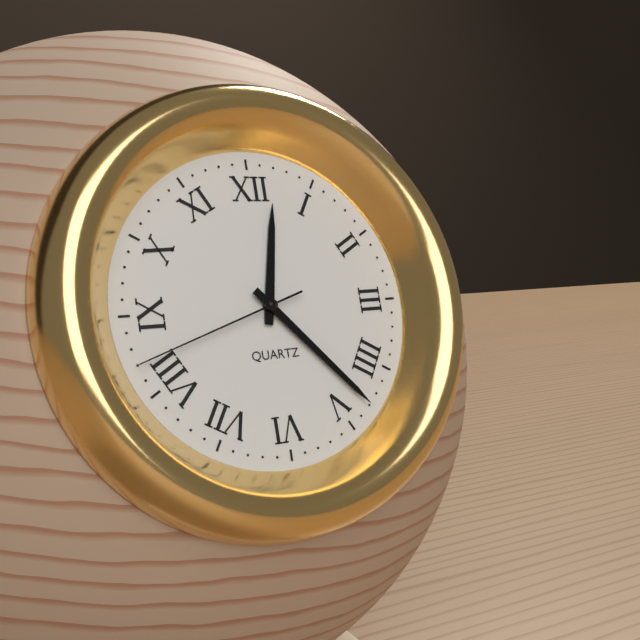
12,23,42
